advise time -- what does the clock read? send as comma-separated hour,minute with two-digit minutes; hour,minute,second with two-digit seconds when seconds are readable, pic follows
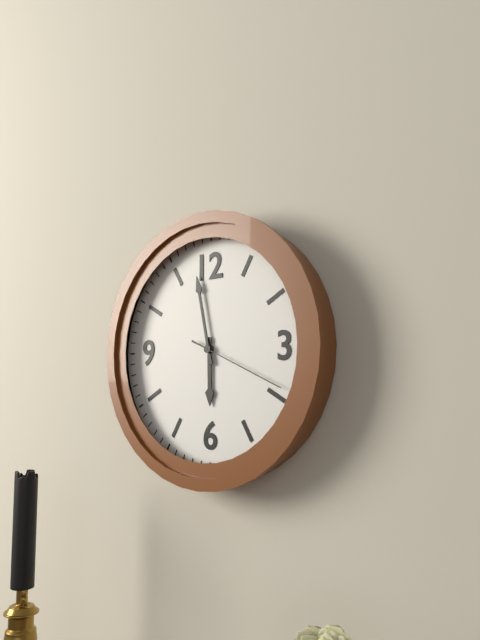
5,58,19
